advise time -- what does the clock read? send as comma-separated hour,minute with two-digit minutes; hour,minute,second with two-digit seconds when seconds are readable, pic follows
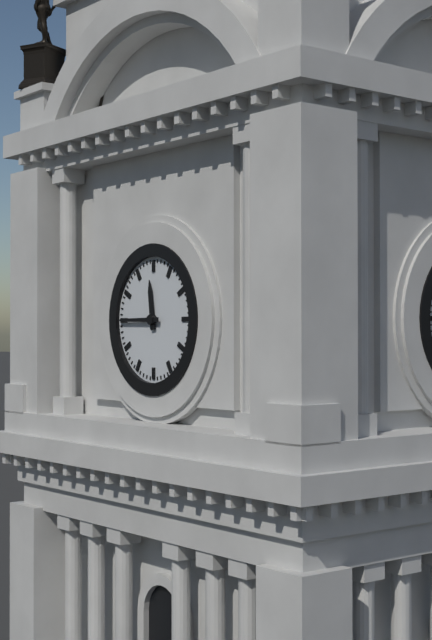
11,45
